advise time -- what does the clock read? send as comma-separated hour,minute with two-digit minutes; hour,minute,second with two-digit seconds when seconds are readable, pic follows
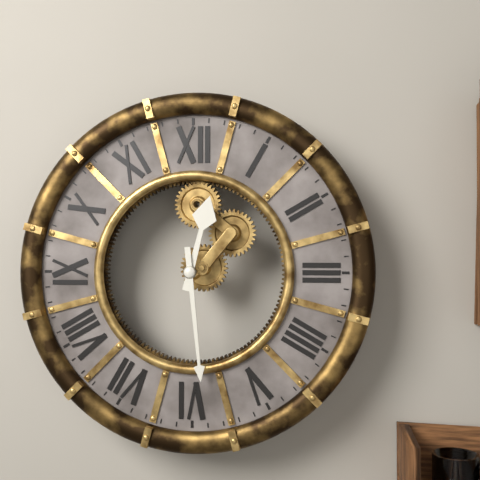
12,29
